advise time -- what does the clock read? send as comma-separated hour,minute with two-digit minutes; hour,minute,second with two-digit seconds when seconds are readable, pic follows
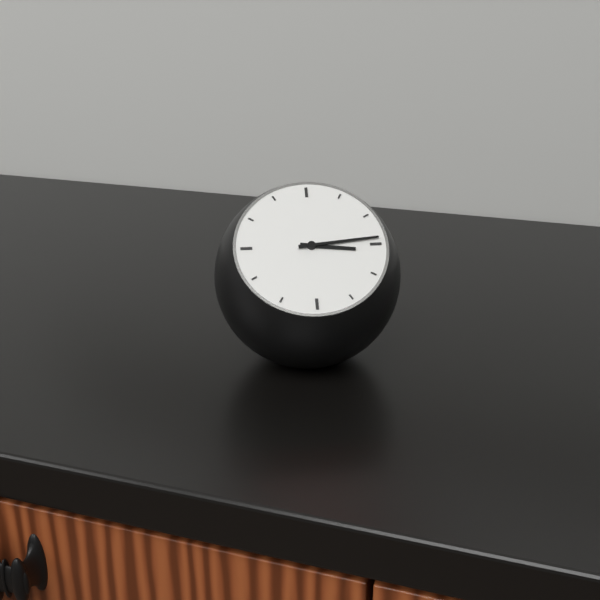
3,14
